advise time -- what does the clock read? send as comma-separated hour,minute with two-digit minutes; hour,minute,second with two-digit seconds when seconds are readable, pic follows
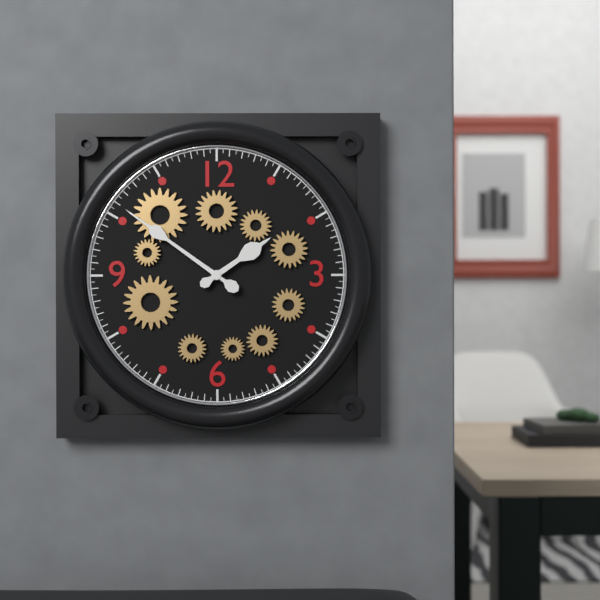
1,51
